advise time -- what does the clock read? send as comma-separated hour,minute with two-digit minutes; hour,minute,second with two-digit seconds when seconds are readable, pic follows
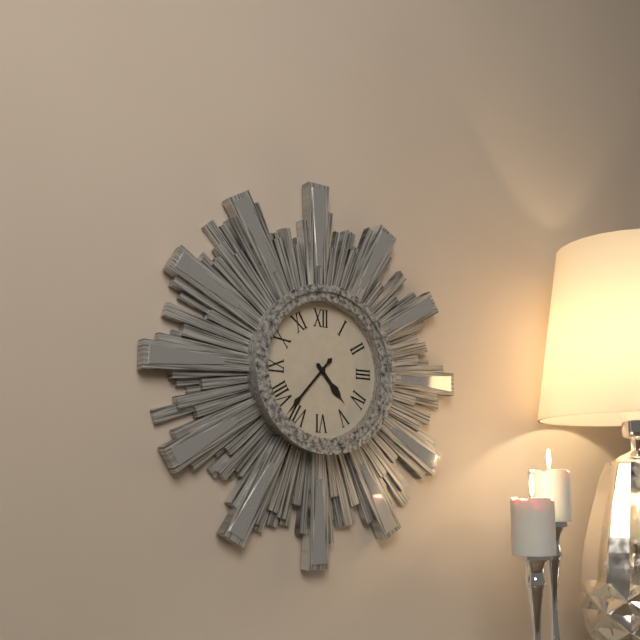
4,37
